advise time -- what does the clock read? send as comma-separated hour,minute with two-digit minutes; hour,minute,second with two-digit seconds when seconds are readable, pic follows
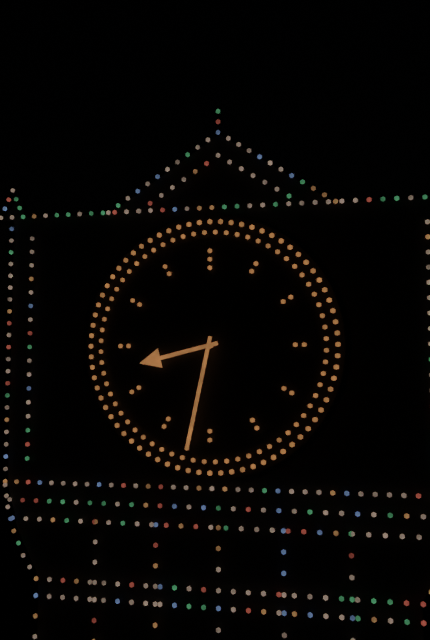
8,32
